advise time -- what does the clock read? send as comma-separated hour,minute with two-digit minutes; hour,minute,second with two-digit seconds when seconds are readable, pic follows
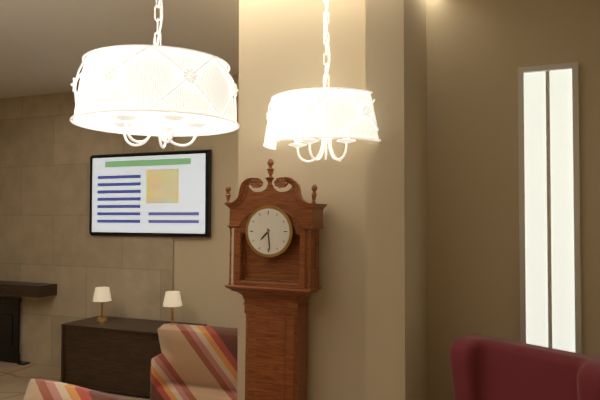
7,29
